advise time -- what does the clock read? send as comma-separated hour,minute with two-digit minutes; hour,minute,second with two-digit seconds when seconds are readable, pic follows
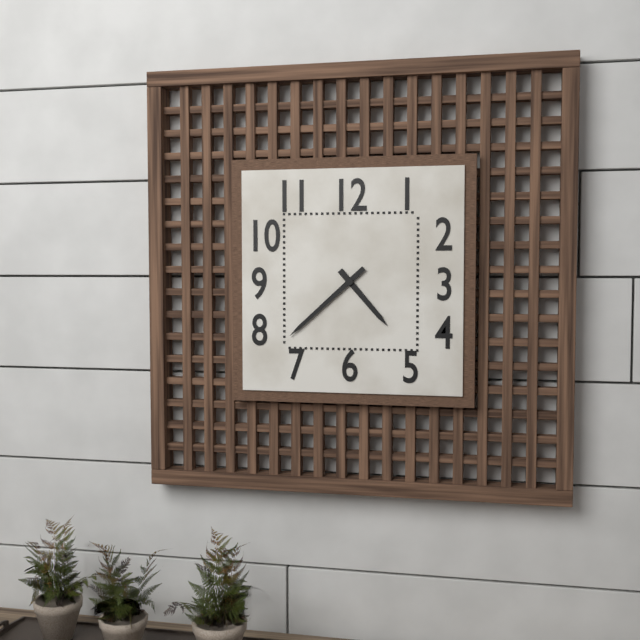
4,38
